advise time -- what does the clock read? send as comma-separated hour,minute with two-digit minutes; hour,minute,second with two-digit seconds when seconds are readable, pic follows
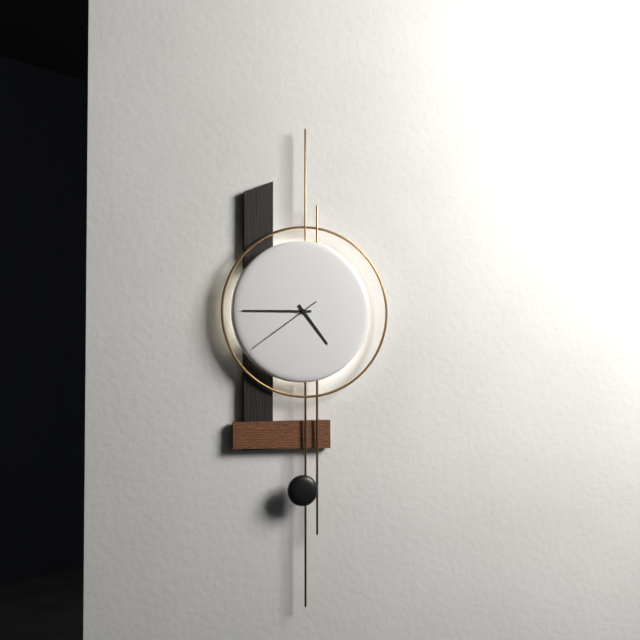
4,45,39
